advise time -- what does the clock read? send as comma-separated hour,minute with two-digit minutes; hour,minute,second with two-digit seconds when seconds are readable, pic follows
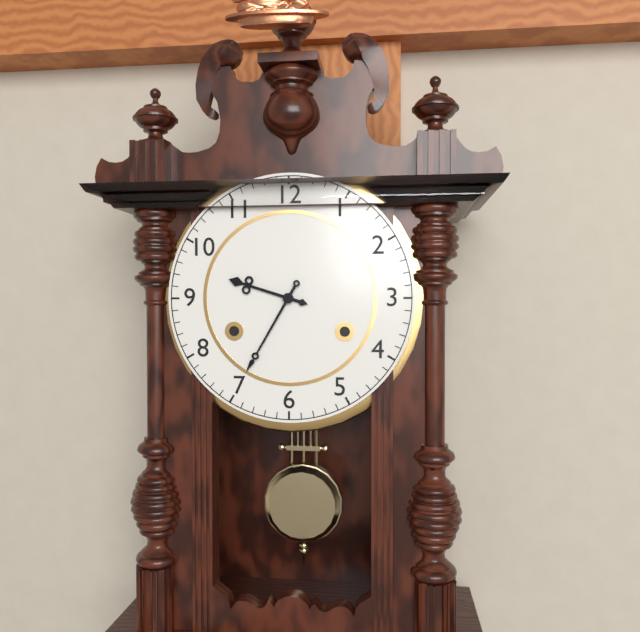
9,35
